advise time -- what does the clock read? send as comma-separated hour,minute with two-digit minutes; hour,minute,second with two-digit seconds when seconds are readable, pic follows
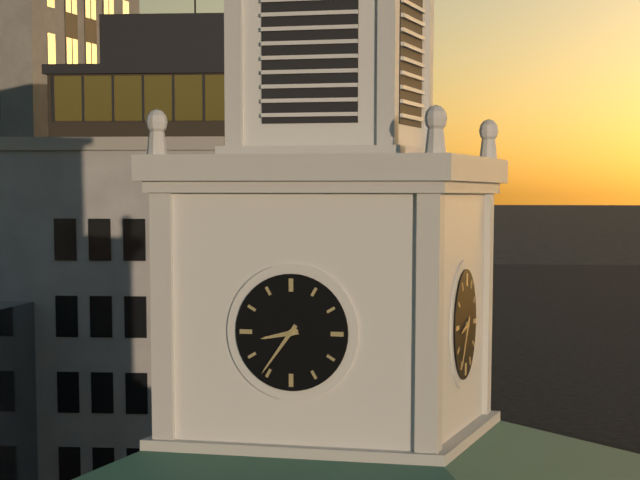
8,36
